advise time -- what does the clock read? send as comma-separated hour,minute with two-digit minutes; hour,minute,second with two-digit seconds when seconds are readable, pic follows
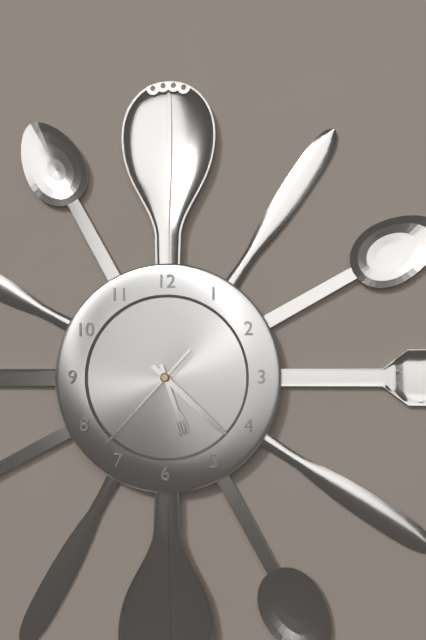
5,22,37
